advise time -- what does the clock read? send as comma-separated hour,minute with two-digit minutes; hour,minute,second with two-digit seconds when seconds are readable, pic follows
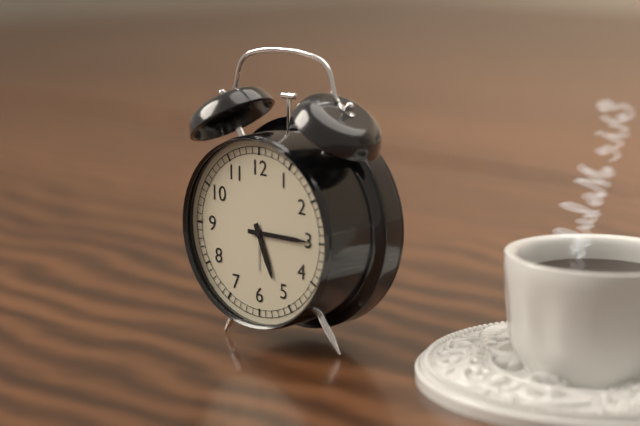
5,15
